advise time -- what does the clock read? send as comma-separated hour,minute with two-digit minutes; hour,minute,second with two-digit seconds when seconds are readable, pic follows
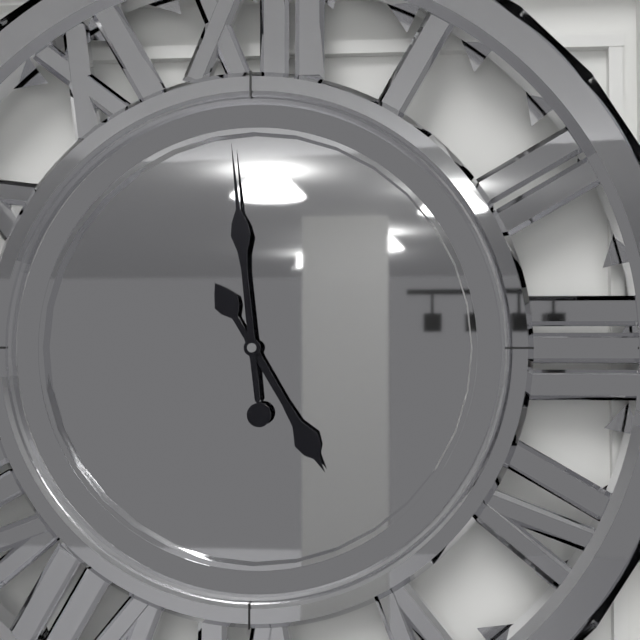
4,59
